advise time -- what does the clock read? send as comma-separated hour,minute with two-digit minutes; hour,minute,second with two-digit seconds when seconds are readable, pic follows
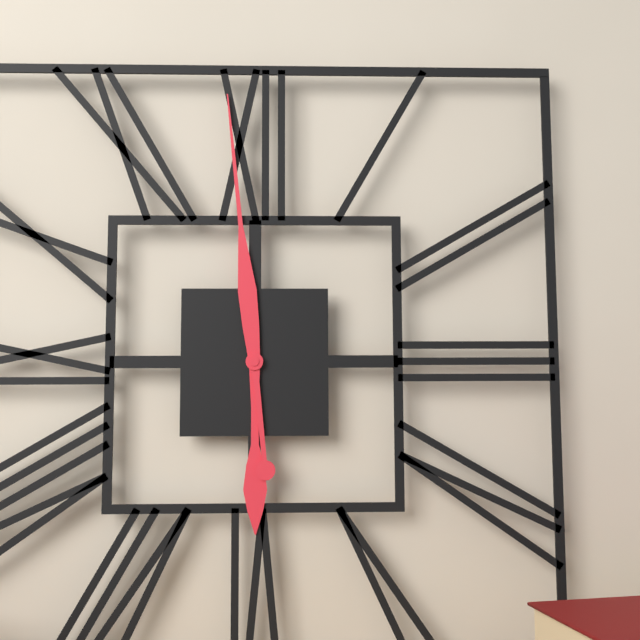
5,59
